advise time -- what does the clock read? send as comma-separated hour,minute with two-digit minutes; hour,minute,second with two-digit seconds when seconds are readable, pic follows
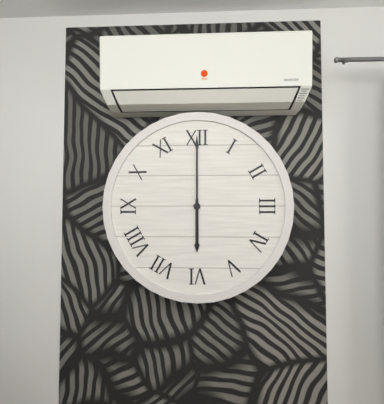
6,00
